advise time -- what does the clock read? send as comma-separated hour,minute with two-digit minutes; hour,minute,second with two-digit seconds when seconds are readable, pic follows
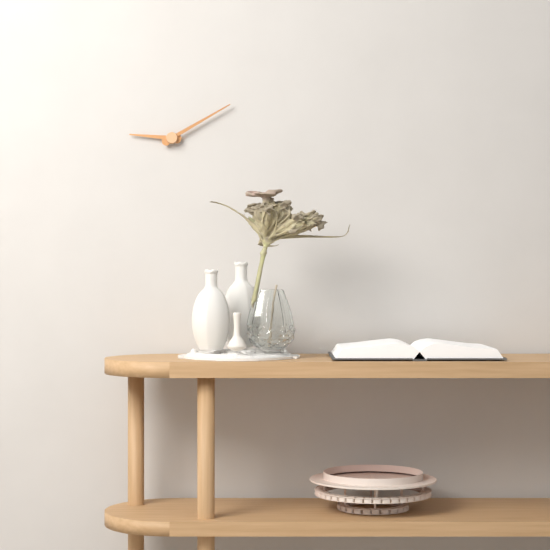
9,10
